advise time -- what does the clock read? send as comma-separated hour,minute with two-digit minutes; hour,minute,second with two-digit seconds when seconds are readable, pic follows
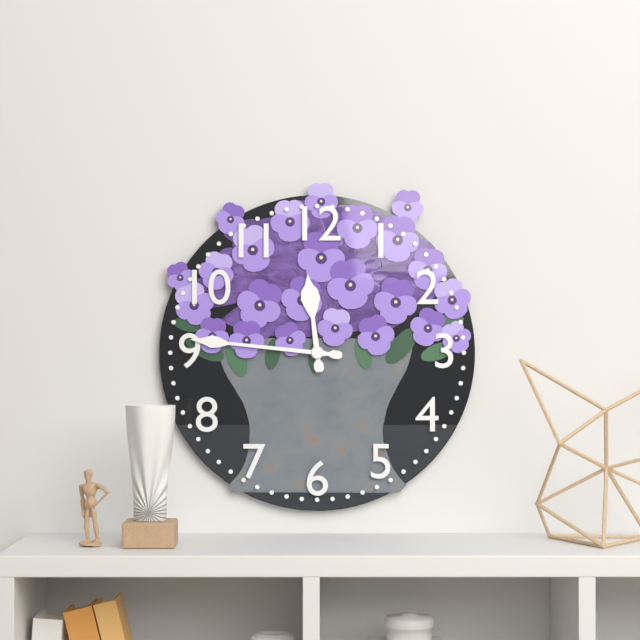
11,46
